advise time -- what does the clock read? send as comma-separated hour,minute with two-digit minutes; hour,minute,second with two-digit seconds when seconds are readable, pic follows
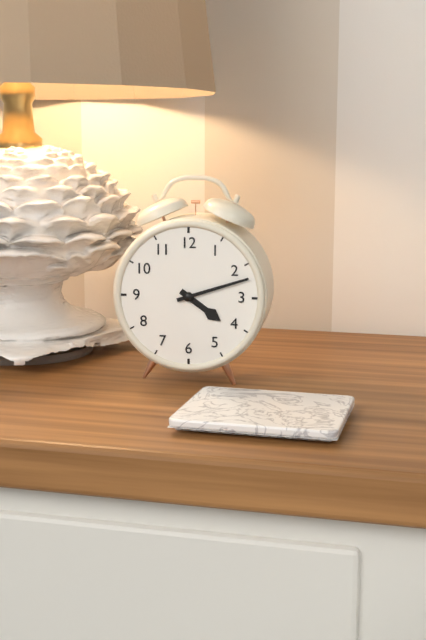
4,12
